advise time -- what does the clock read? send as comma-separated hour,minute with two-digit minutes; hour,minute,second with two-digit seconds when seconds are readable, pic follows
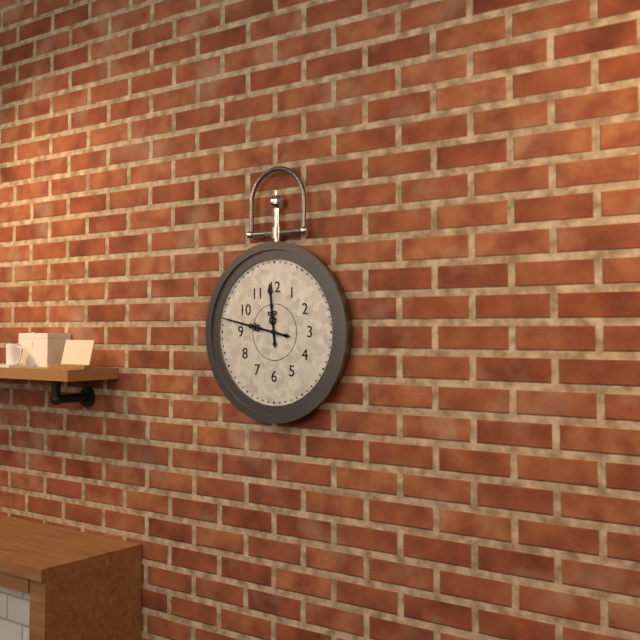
11,47
